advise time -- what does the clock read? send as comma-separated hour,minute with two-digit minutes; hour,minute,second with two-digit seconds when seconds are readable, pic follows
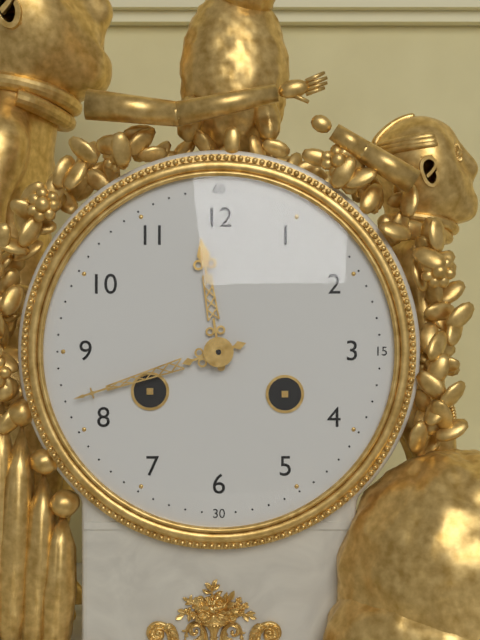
11,42
